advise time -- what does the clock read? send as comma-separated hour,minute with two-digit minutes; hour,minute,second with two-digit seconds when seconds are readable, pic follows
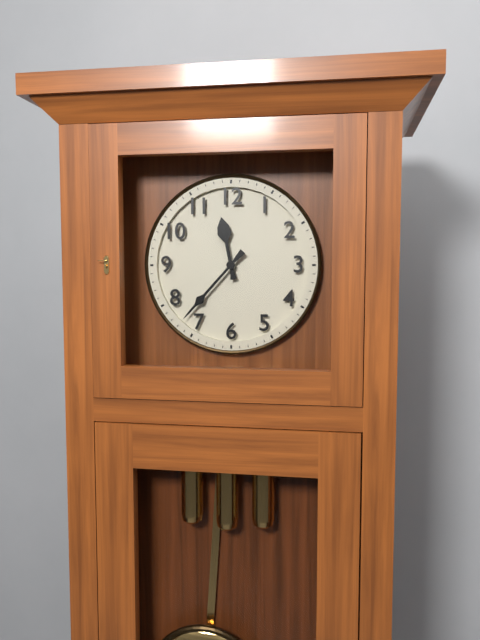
11,37
